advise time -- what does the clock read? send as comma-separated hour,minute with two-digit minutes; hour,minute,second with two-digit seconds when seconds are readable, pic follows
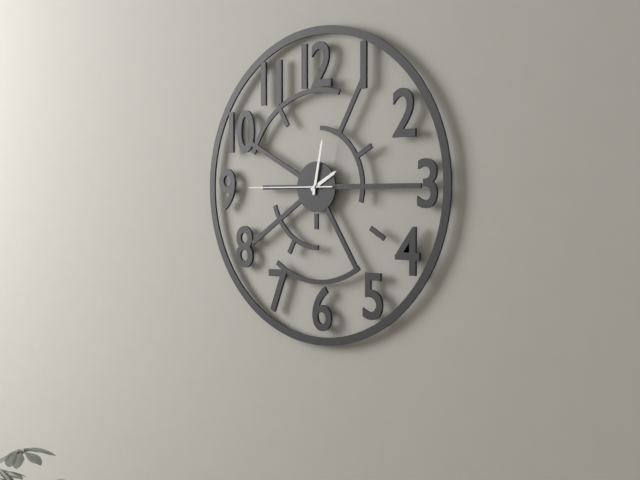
2,02,45
